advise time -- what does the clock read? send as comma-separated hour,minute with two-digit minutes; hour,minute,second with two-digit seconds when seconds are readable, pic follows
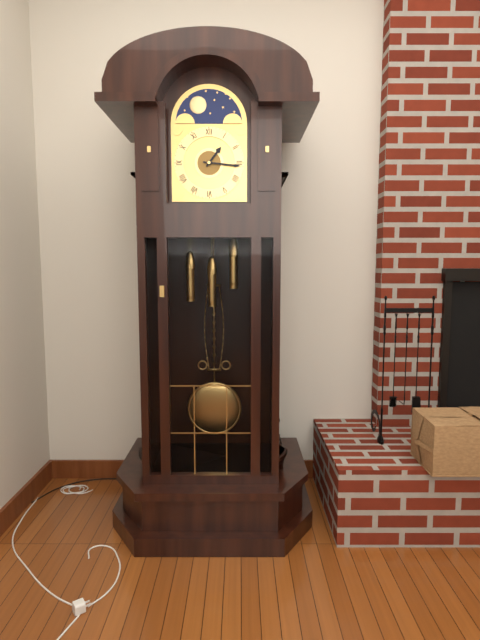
1,16
